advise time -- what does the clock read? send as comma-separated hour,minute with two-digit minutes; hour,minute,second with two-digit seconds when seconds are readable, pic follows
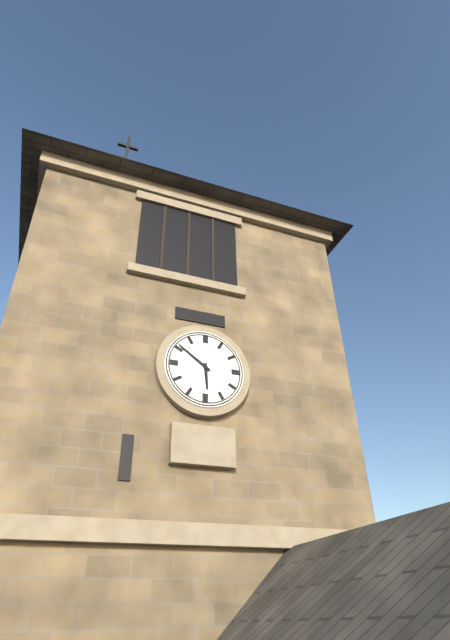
5,51
